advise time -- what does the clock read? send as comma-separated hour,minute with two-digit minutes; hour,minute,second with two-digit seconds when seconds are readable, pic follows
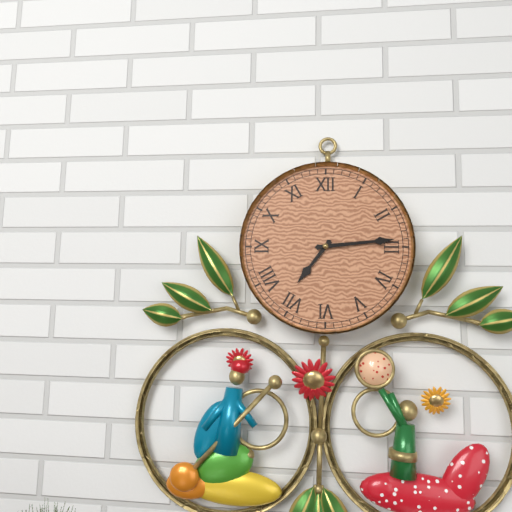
7,14
